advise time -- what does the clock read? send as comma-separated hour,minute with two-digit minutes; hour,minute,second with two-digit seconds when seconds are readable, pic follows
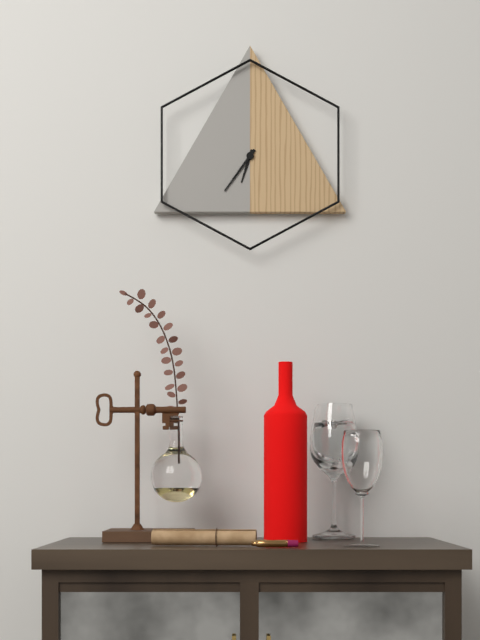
6,36
